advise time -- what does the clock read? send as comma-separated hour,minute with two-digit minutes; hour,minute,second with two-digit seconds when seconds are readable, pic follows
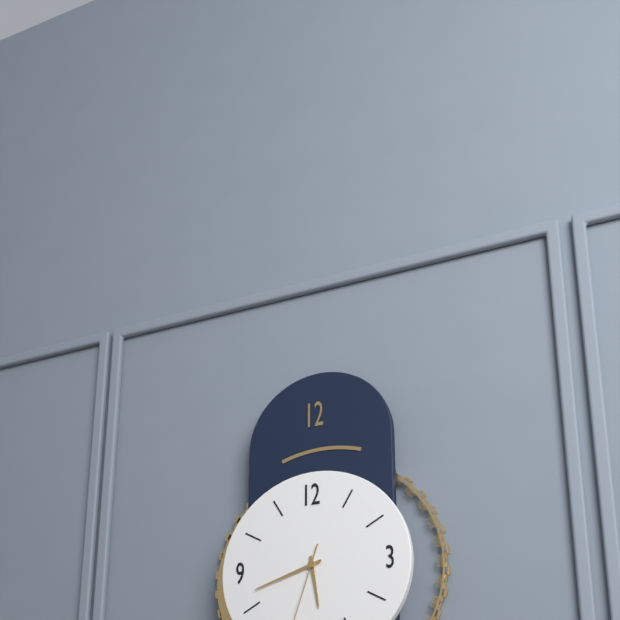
5,42
